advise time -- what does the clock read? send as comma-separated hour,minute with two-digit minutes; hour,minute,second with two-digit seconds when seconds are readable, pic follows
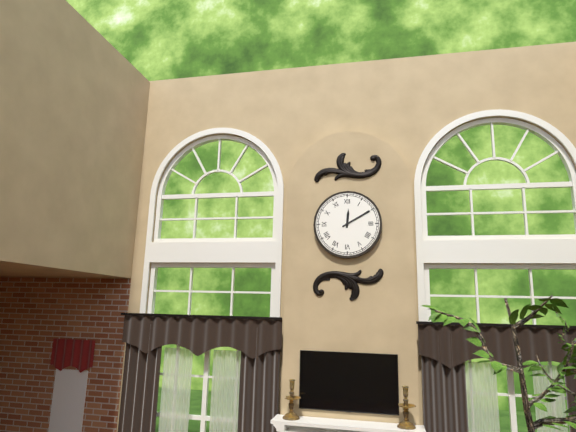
12,10
